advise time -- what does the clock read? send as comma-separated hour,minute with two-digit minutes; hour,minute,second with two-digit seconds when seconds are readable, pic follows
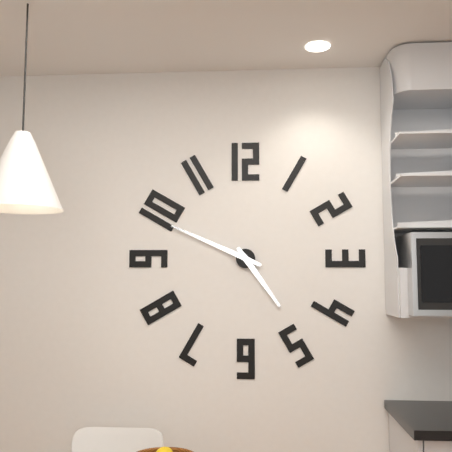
4,49
